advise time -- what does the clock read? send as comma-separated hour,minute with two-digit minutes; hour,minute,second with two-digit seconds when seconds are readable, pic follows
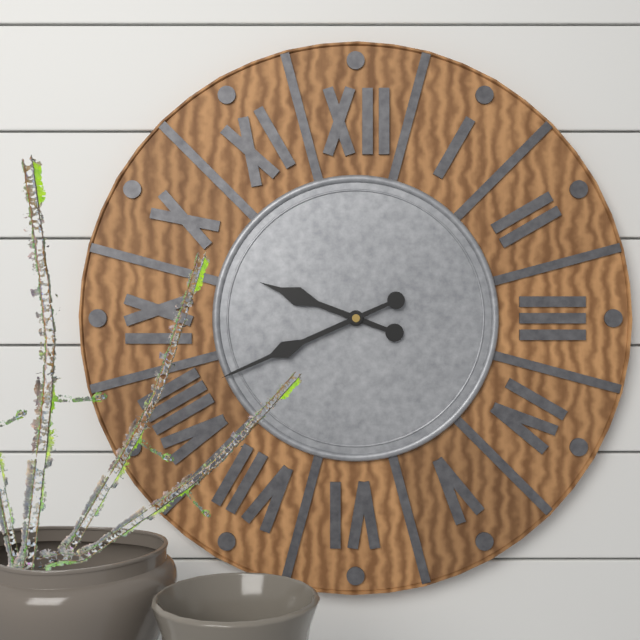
9,41
